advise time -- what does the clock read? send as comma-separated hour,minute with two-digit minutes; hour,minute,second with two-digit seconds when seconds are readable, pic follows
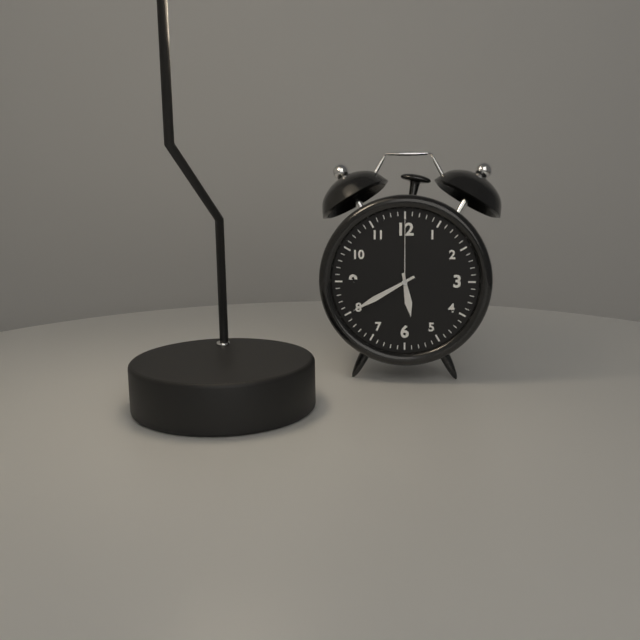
5,40,00
